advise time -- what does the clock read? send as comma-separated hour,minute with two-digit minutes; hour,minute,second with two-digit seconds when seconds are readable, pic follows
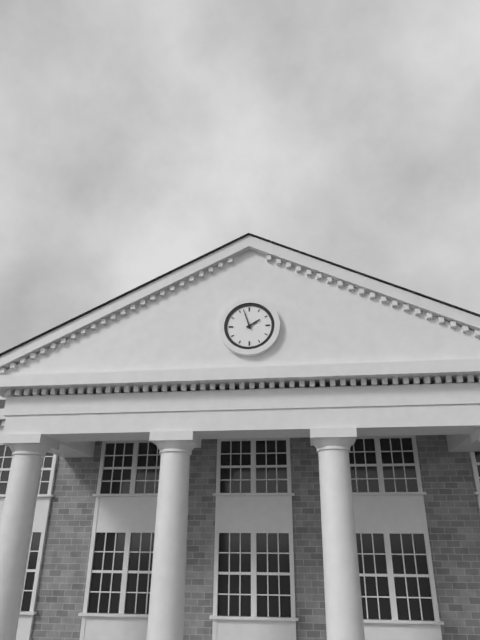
1,57
